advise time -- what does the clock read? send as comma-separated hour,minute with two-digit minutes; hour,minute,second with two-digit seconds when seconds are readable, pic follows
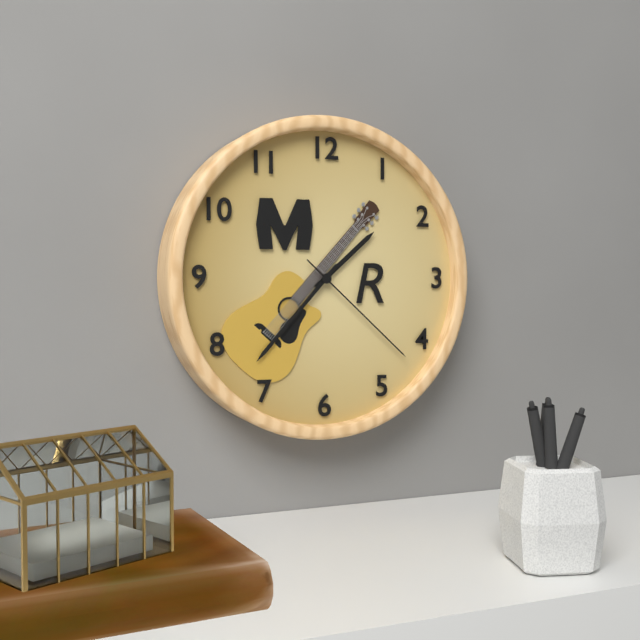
1,37,22
